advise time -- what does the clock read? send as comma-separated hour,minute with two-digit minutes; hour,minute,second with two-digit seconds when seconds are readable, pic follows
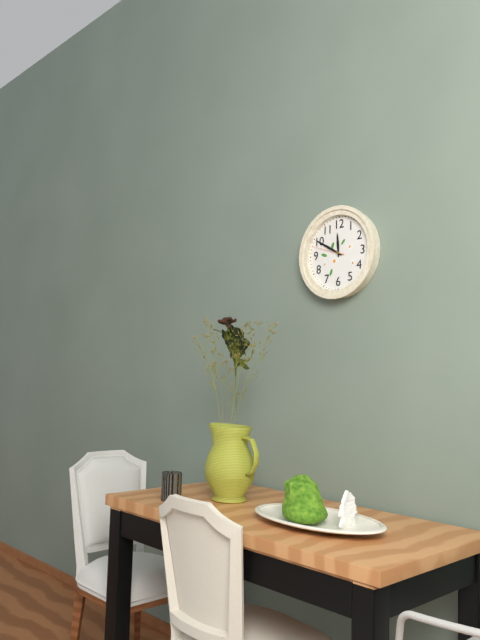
11,50
